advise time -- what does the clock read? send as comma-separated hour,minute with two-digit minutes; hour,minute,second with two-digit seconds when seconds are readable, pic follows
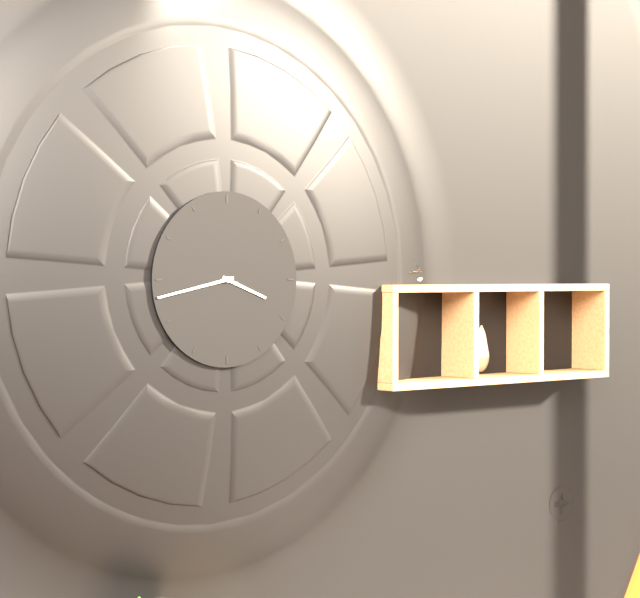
3,43
